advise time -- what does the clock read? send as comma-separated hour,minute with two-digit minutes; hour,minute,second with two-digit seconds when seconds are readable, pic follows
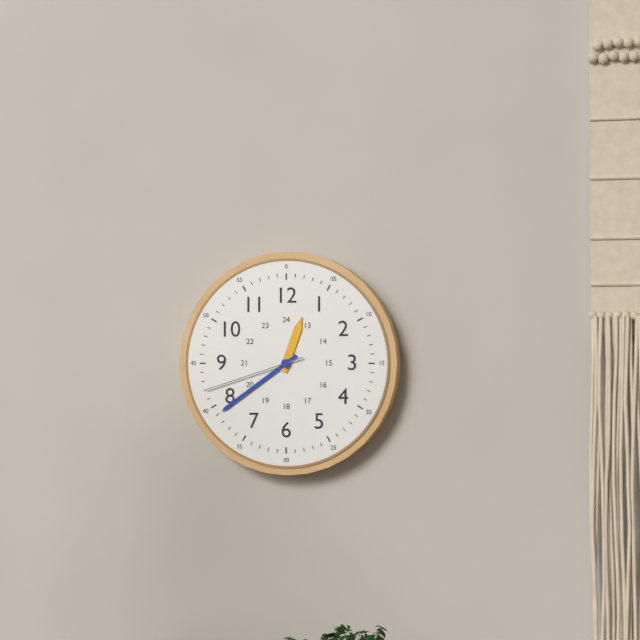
12,39,42
